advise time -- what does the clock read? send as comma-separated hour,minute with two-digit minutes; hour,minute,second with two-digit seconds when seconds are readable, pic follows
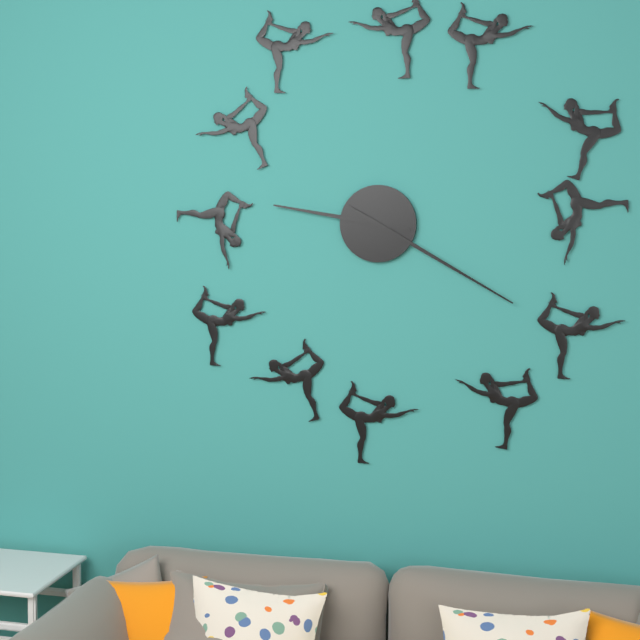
9,20
